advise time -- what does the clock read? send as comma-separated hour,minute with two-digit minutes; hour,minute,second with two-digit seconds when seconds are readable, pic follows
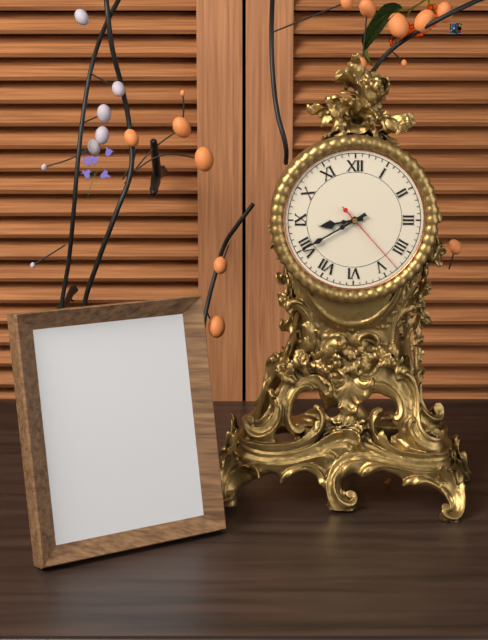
8,40,23
